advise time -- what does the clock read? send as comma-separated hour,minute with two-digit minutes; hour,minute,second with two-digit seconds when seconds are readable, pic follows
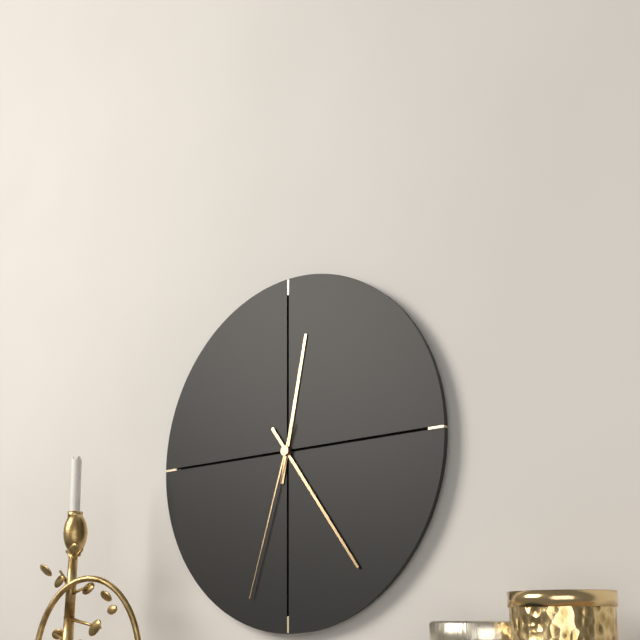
12,24,33
